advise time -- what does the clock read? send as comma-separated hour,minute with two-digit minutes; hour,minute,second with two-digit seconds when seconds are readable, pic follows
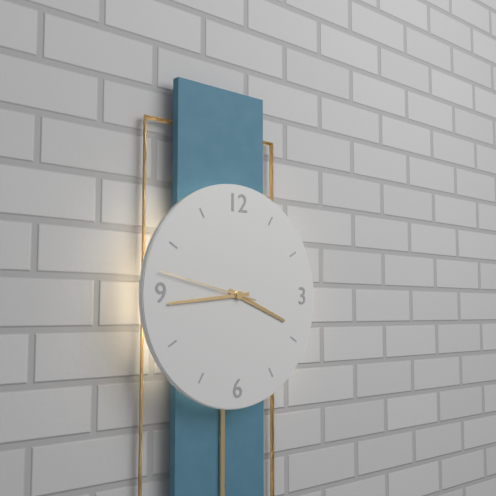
3,44,47
